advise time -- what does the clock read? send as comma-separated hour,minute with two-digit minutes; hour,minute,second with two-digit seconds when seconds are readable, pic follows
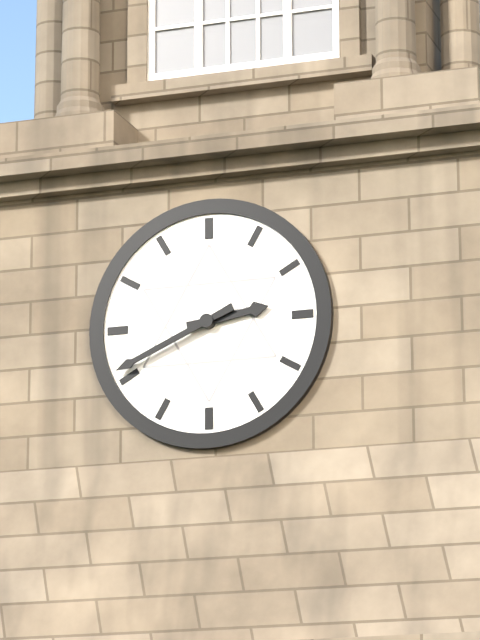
2,41
